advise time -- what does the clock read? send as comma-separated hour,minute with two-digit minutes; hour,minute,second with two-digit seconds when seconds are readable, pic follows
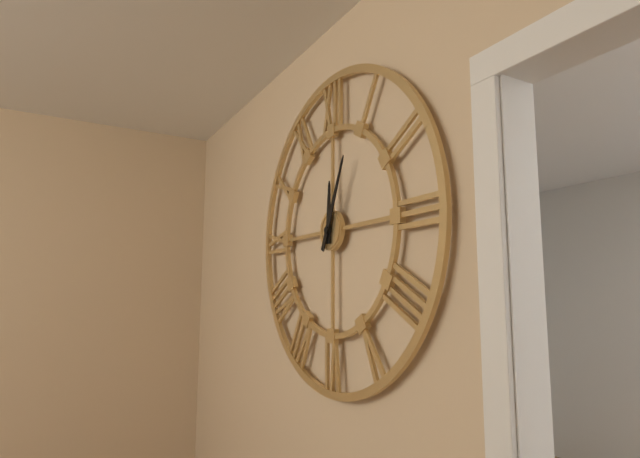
12,04
